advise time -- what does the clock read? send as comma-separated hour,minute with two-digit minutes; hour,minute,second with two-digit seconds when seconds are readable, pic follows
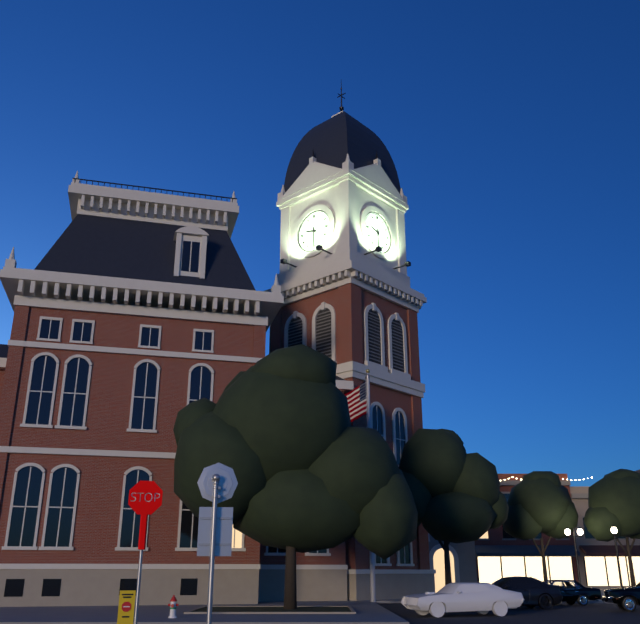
9,30
